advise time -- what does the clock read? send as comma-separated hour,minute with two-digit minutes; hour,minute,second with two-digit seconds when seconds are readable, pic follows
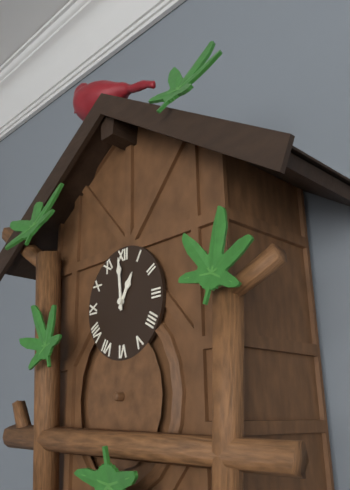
12,59
